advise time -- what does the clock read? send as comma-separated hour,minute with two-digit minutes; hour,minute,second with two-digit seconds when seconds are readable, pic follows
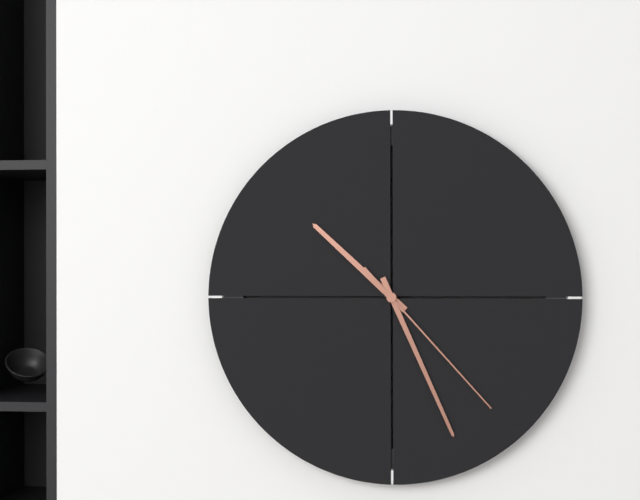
10,26,23
